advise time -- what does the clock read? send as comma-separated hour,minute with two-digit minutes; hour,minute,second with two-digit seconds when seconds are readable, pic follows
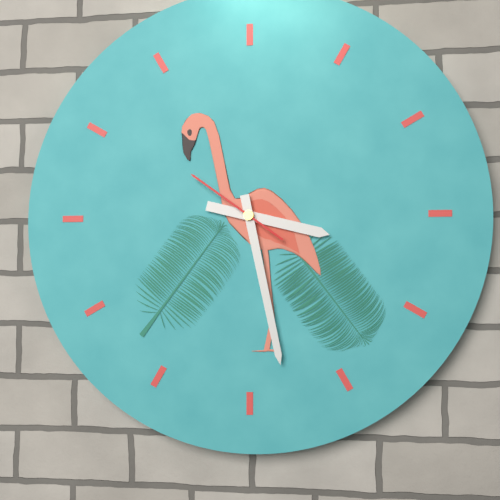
3,28,51
